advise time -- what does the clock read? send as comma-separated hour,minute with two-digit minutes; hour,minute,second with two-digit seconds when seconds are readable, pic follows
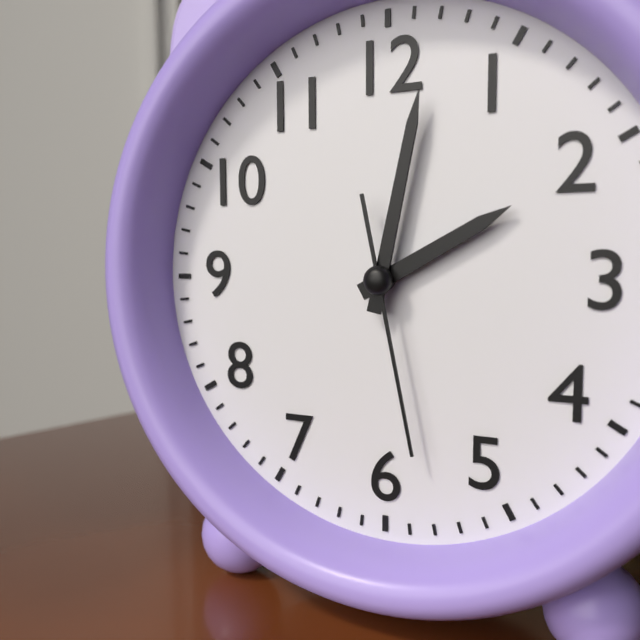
2,02,28
